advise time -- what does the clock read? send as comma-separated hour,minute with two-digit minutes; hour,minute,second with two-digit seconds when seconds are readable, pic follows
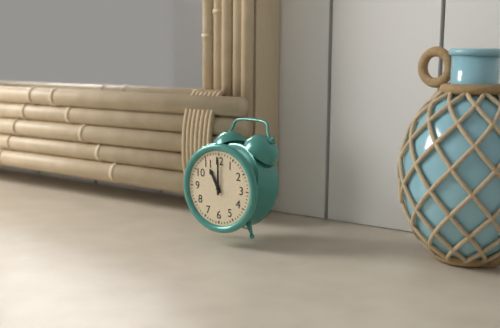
11,00
